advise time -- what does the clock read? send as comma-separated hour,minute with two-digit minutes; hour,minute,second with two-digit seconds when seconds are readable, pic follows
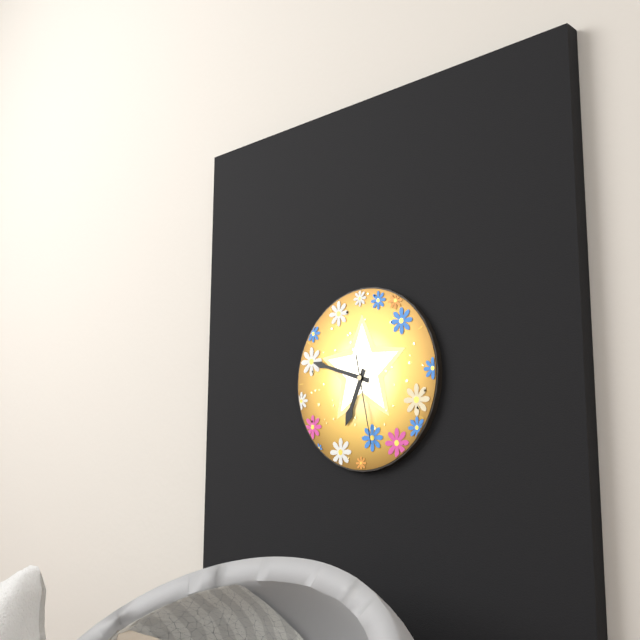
6,48,28
